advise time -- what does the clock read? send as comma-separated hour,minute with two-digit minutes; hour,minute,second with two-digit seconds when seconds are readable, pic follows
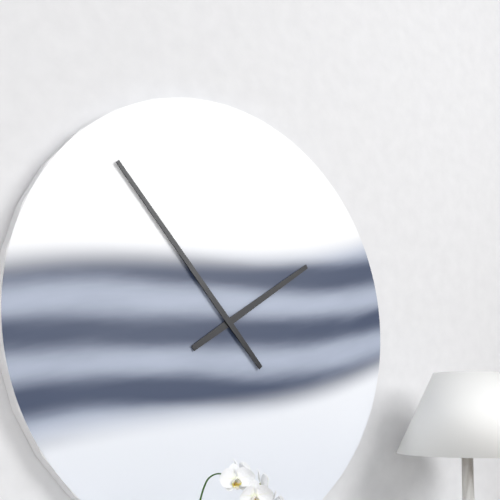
1,53
